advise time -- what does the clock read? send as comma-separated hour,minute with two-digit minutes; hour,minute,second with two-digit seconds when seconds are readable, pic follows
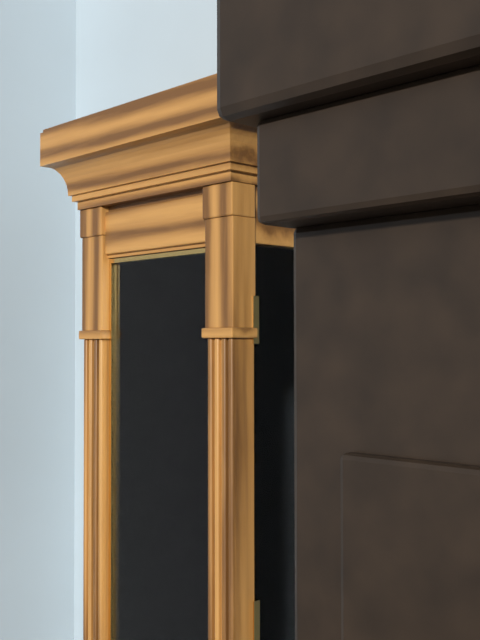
3,09
